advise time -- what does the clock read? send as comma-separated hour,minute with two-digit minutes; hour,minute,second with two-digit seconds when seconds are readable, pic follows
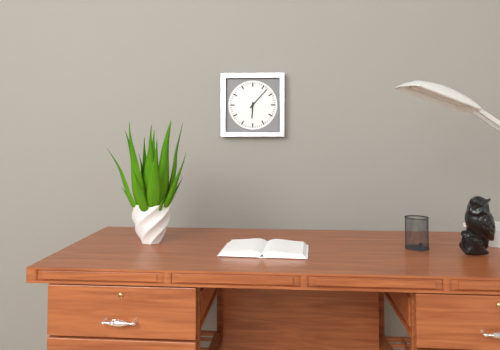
6,07
